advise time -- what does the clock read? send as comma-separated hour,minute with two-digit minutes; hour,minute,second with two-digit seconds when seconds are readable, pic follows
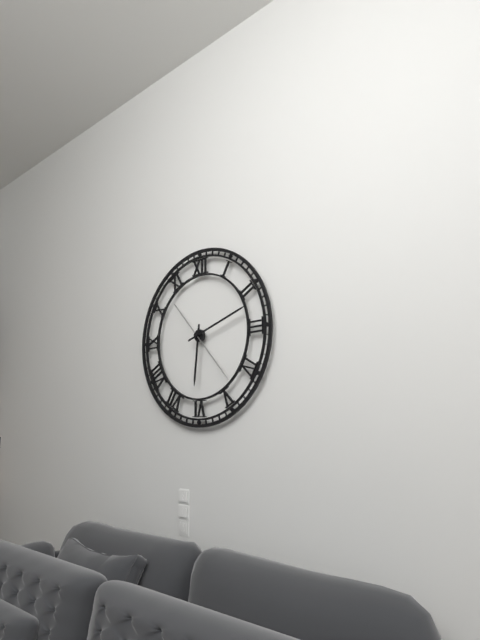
6,12,23
